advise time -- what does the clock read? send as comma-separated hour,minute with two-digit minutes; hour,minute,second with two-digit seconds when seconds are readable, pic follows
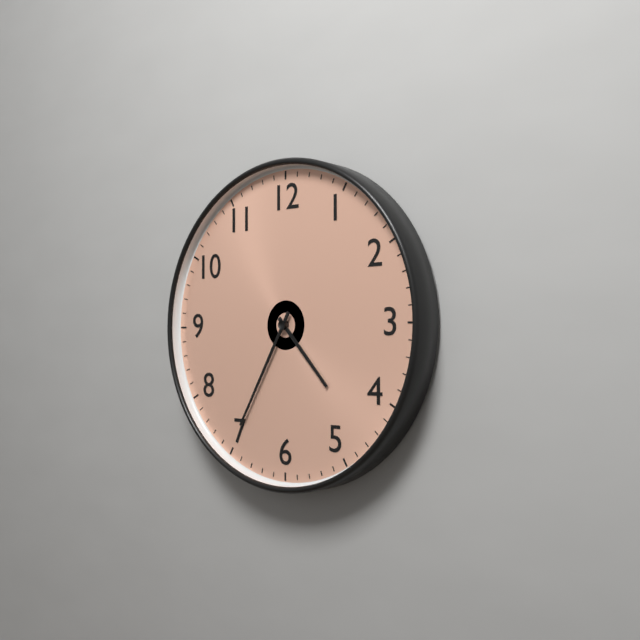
4,35
